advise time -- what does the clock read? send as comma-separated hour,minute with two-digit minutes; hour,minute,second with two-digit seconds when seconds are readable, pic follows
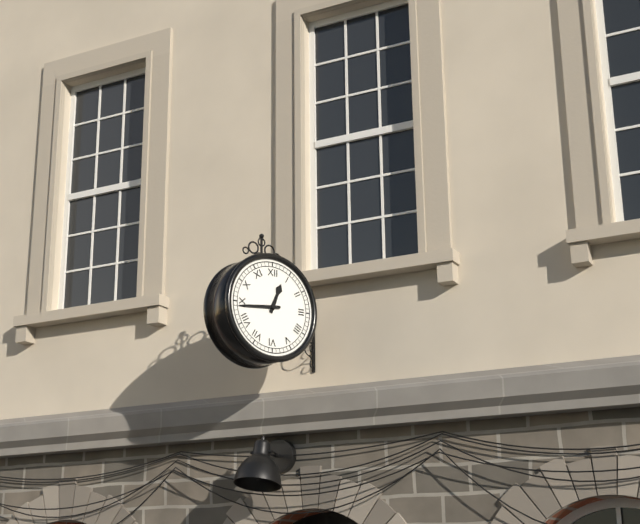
12,44
